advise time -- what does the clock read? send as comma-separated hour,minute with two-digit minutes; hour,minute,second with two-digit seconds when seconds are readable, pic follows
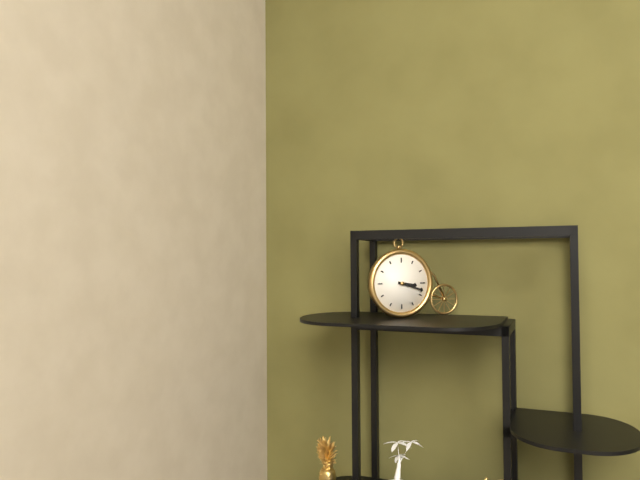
3,18
